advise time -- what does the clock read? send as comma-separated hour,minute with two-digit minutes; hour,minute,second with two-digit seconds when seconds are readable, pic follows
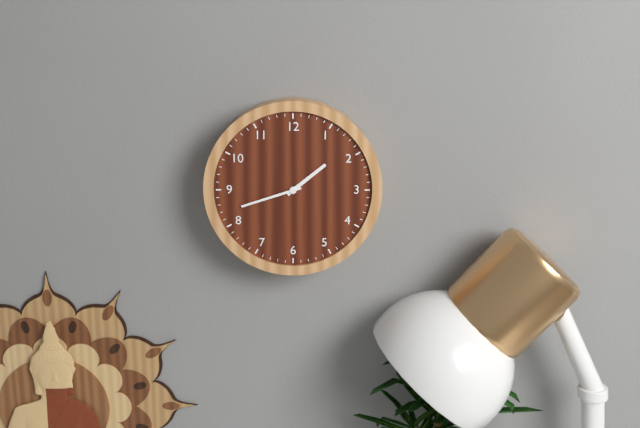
1,42
